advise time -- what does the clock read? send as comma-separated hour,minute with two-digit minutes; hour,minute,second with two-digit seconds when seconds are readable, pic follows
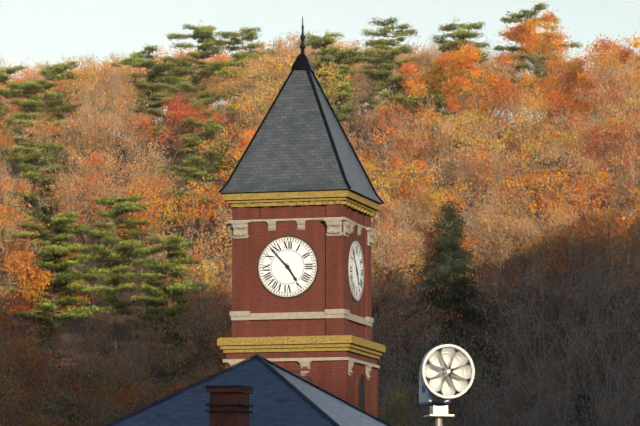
4,53
